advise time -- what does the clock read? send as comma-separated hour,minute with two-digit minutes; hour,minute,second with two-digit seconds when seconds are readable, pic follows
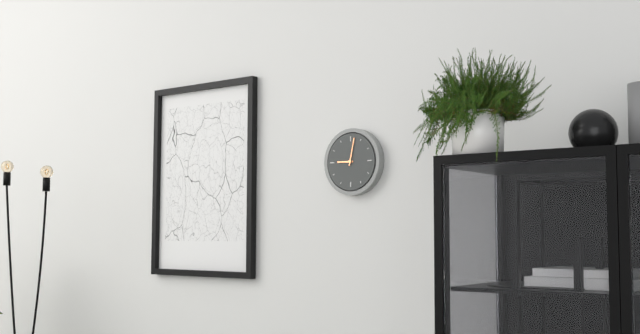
9,02
